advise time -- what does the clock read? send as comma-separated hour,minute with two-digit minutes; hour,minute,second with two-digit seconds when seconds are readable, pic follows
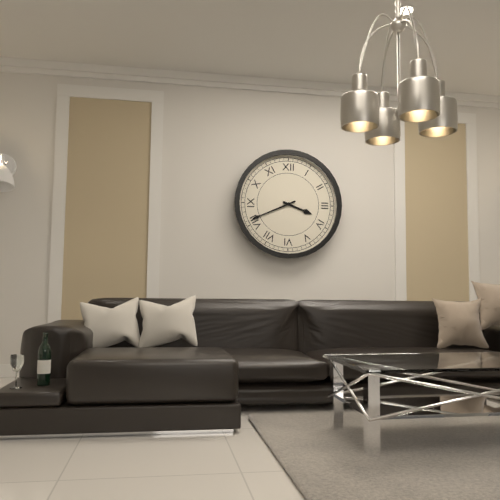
3,41
